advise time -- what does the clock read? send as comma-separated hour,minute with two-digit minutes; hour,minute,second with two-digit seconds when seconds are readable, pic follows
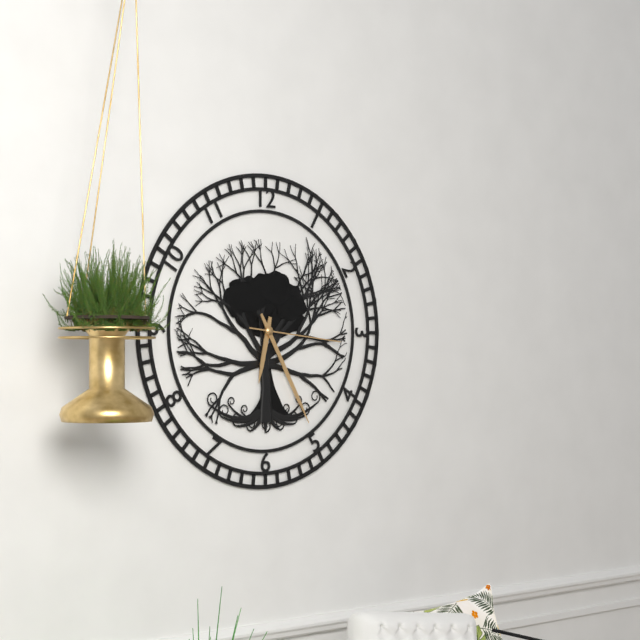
6,25,16
